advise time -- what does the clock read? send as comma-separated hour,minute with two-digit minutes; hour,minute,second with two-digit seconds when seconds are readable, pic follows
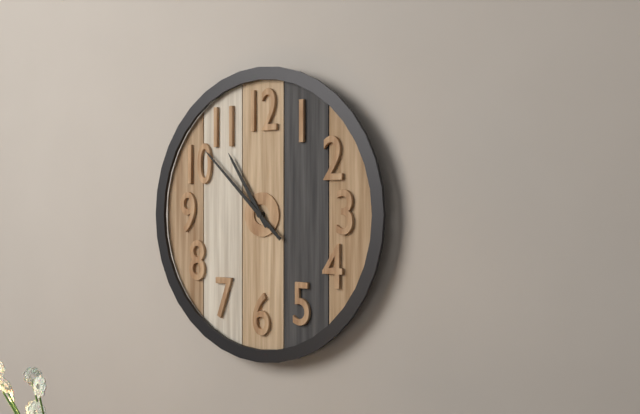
10,52
